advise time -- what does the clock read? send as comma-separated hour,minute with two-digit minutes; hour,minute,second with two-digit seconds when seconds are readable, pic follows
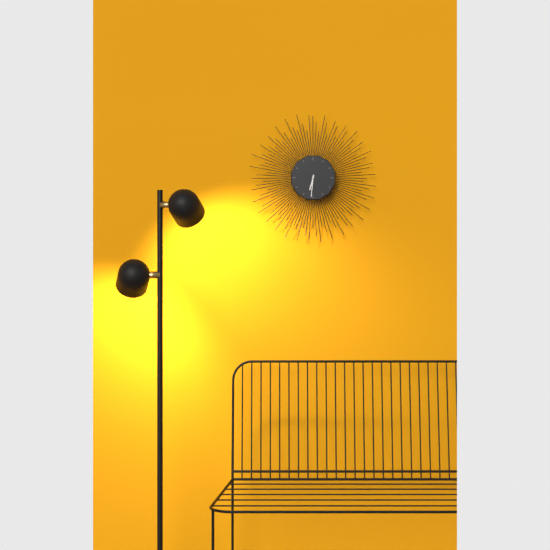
6,31
